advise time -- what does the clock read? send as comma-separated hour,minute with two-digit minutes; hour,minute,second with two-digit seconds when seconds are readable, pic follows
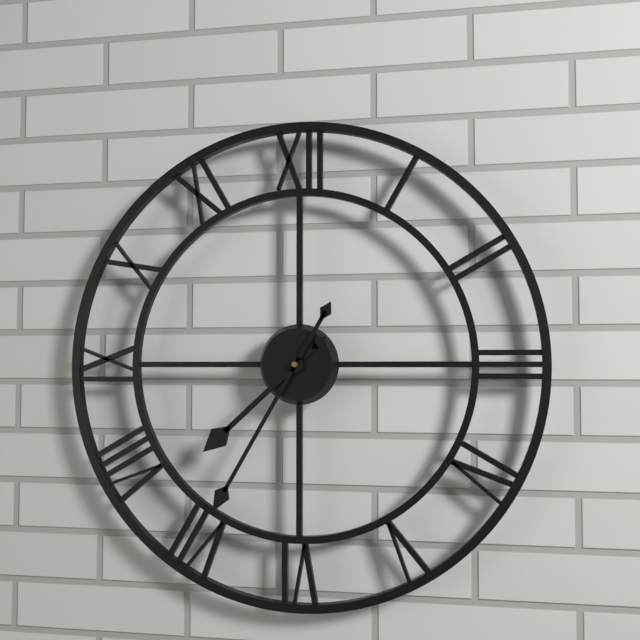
7,35
